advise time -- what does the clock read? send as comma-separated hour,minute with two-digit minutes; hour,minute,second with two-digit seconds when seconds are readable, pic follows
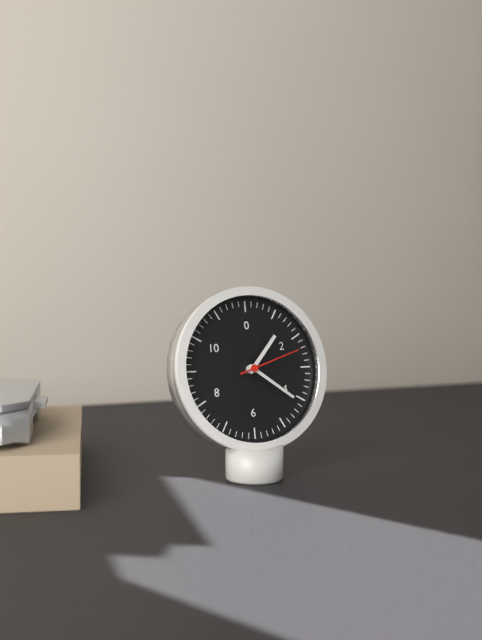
1,21,12
